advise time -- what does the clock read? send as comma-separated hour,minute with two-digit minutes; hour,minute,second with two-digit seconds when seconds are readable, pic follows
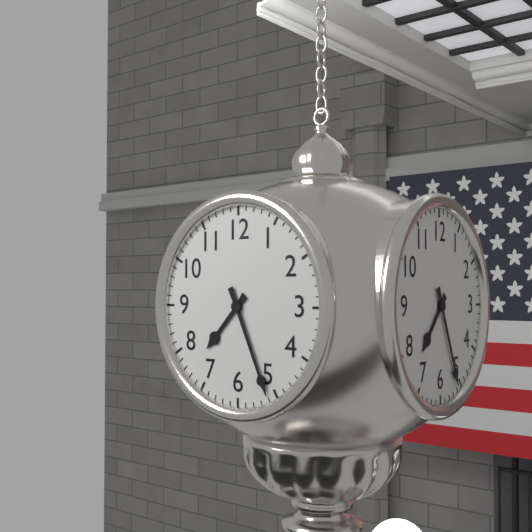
7,26
